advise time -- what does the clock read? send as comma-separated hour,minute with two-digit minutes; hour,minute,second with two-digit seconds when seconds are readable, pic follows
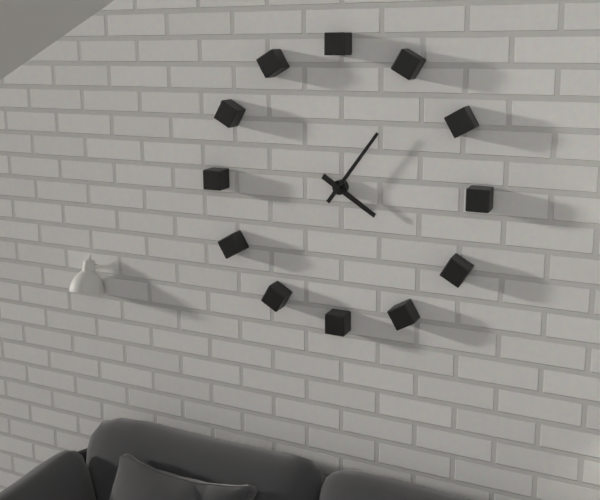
4,06
